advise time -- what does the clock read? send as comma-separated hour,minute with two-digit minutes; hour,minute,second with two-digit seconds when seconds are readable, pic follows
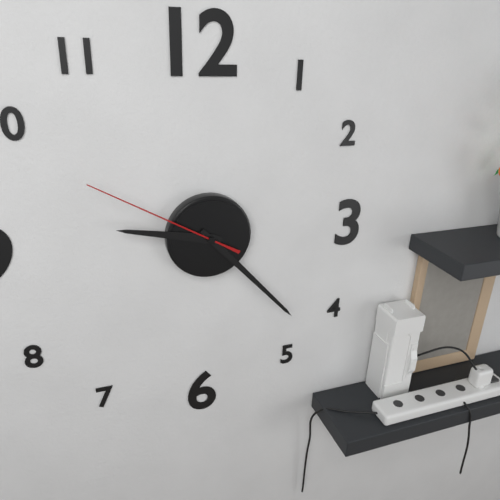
9,23,50
